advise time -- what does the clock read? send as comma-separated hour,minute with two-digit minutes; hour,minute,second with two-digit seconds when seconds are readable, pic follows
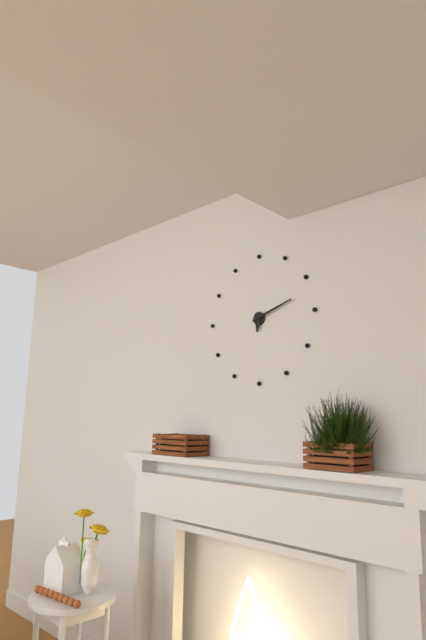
6,12
